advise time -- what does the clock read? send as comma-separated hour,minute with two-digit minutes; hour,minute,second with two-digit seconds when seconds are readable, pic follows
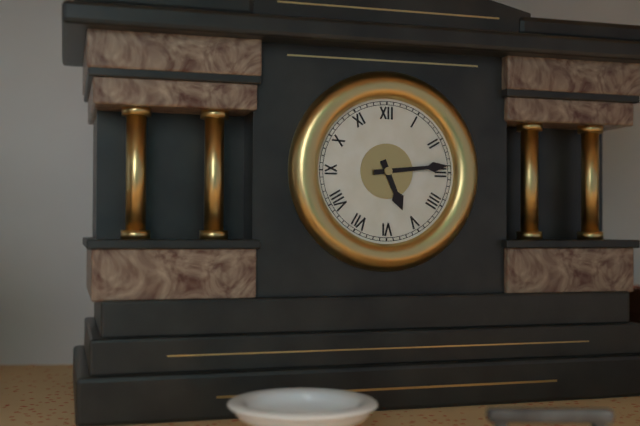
5,14
